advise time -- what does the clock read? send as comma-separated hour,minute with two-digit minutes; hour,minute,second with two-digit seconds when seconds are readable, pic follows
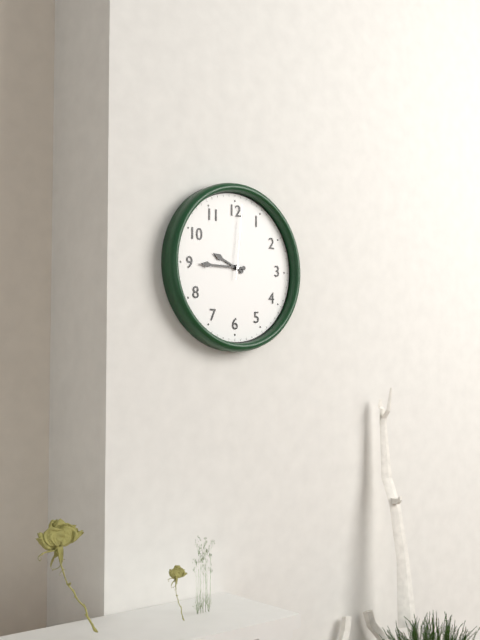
9,45,01
